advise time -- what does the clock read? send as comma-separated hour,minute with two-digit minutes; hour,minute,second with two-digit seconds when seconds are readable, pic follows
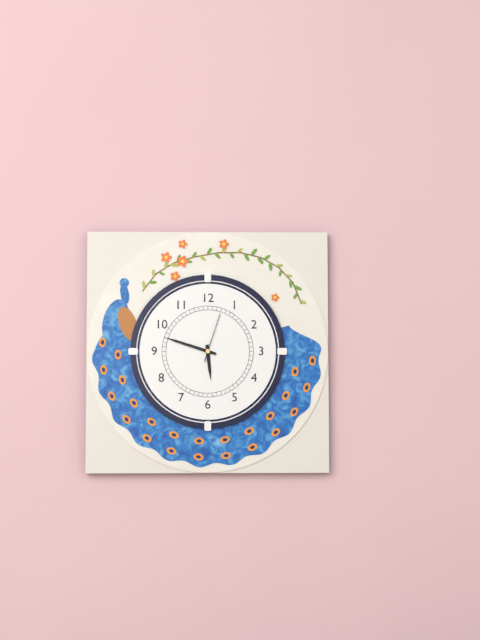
5,48,03
